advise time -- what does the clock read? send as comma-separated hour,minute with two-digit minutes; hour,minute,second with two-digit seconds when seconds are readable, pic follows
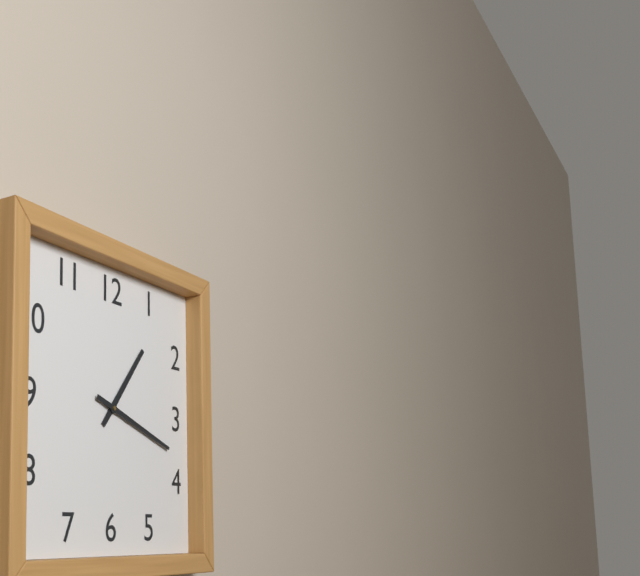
1,18
